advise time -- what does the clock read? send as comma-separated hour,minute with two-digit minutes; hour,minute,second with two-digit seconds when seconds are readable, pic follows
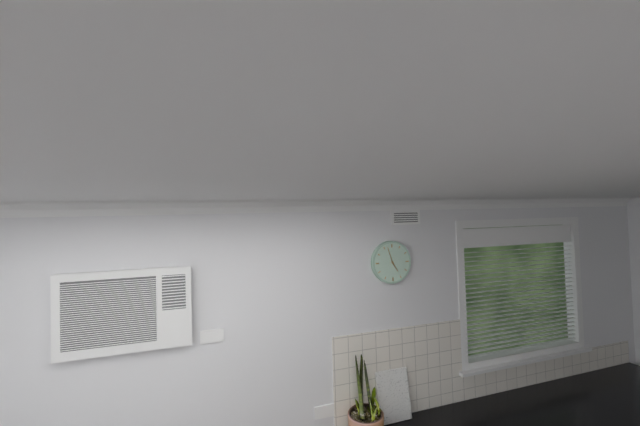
4,57
